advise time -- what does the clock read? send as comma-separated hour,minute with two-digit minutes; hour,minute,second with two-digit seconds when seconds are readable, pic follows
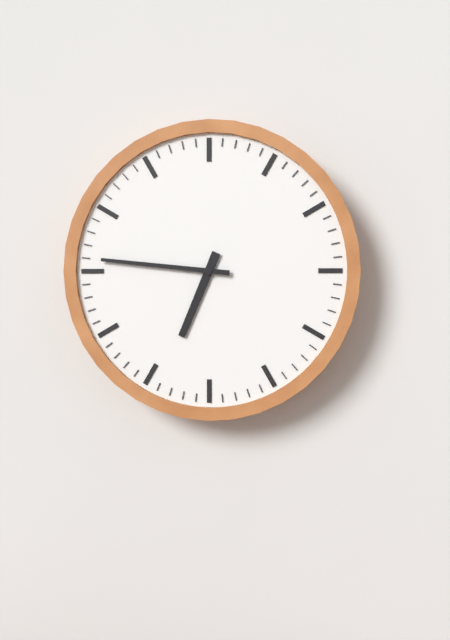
6,46
